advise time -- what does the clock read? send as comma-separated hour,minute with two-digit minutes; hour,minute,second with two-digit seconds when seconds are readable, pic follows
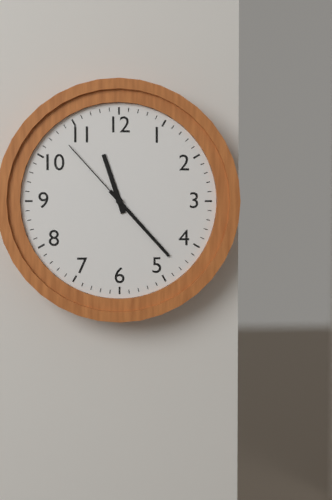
11,23,53
